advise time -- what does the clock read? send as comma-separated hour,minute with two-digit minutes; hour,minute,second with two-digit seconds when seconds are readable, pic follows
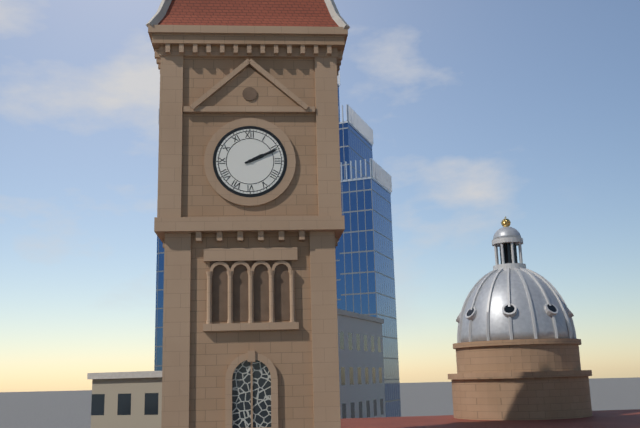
2,11
